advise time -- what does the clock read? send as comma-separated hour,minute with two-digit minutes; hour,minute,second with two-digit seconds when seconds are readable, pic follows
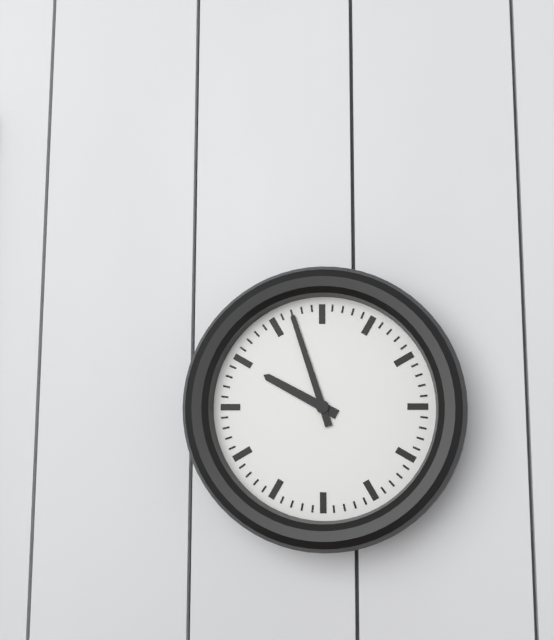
9,57
